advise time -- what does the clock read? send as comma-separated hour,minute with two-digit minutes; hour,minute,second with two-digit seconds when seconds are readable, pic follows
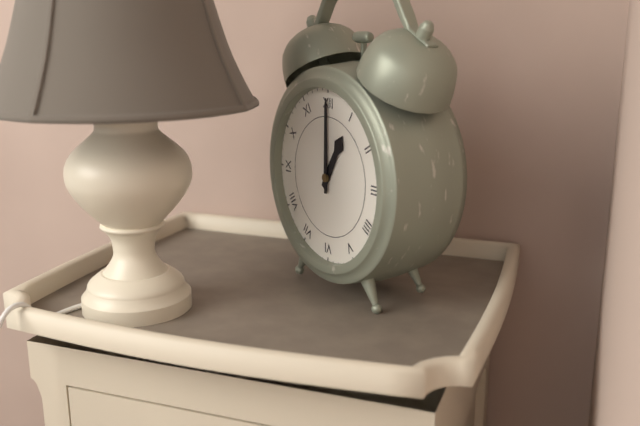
1,00
